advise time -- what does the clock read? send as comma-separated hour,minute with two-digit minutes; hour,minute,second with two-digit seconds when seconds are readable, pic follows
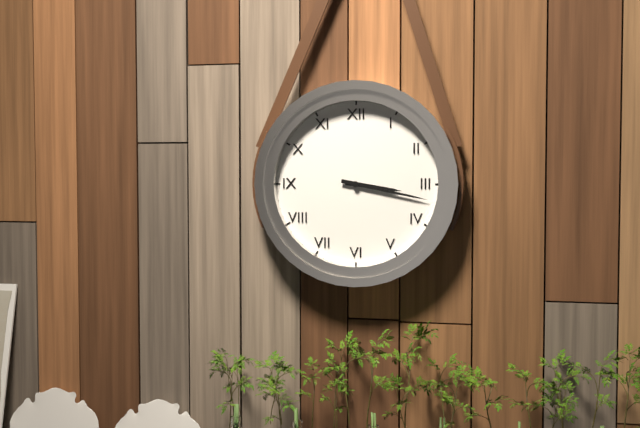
3,17
